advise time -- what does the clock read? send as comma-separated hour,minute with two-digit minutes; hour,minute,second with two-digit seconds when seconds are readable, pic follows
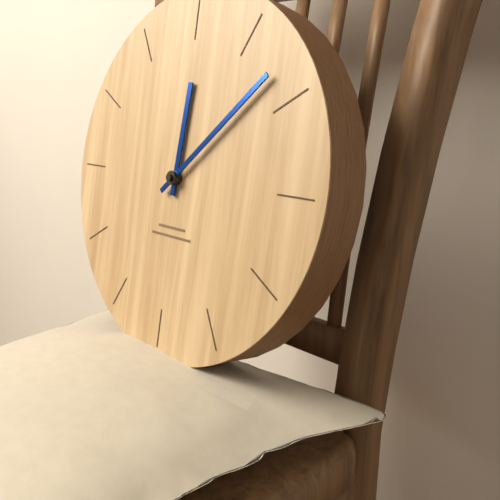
12,08
